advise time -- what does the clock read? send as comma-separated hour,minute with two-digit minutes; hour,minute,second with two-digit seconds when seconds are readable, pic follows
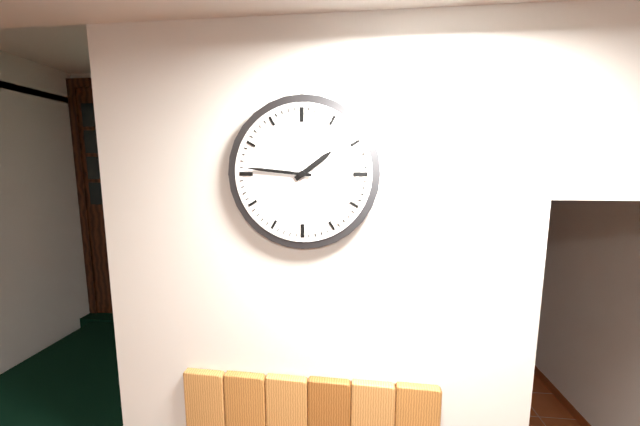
1,46
